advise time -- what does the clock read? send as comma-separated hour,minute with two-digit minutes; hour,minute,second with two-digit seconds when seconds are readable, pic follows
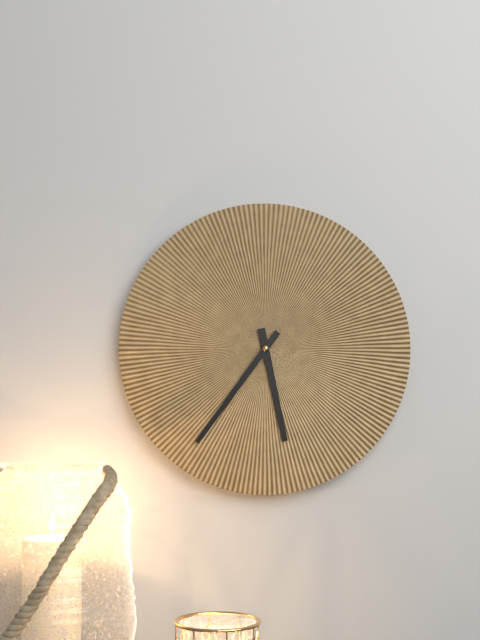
5,36
